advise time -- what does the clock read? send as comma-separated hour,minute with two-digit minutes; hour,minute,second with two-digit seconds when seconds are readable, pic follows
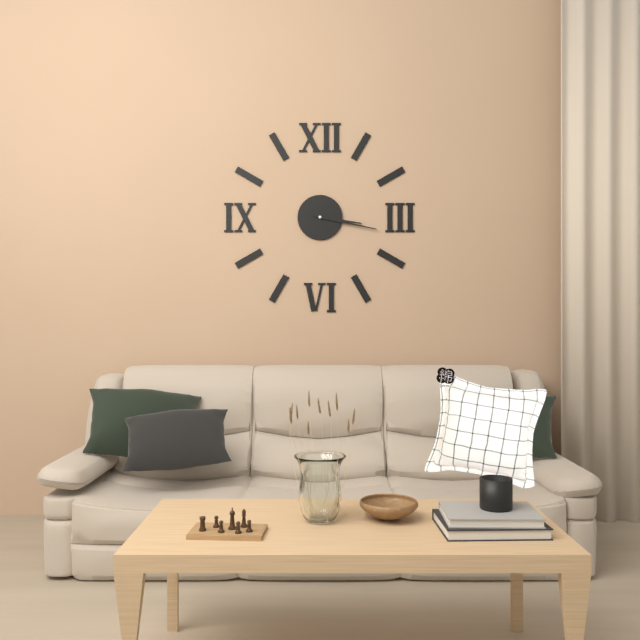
3,17
